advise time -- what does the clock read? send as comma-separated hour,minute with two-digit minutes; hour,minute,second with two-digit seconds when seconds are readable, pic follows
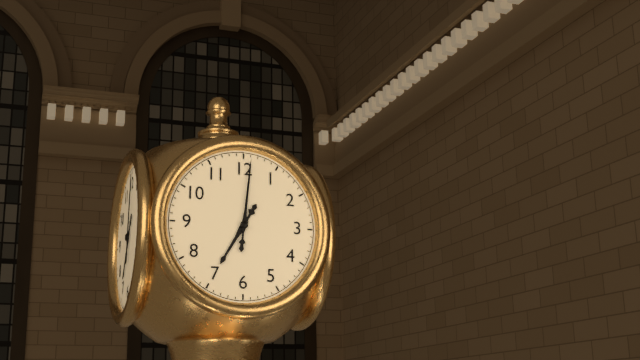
7,01
